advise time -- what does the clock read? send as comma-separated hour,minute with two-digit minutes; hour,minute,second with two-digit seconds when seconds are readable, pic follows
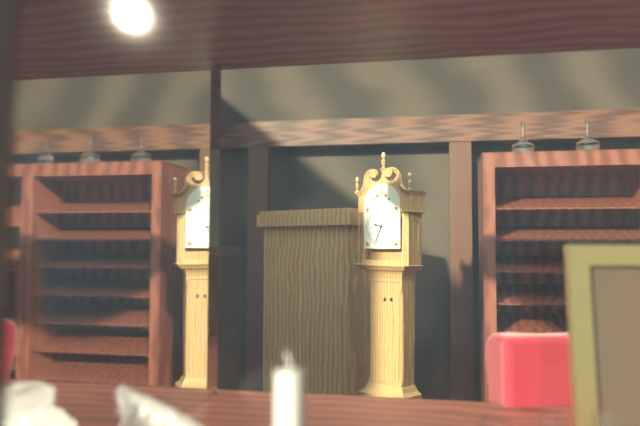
9,34
